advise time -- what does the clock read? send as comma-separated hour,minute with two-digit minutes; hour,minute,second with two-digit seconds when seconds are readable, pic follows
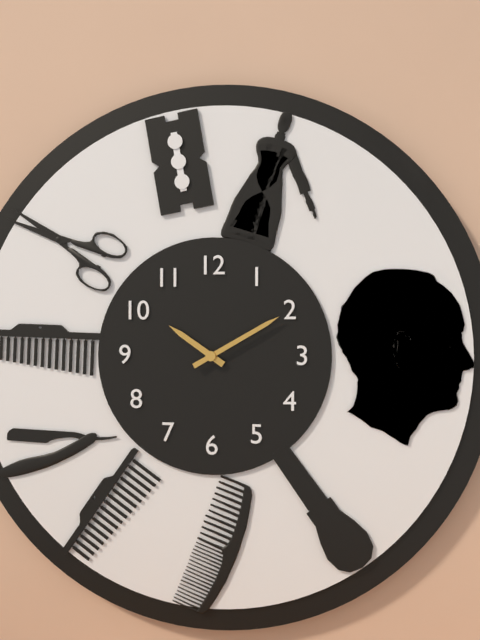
10,10
